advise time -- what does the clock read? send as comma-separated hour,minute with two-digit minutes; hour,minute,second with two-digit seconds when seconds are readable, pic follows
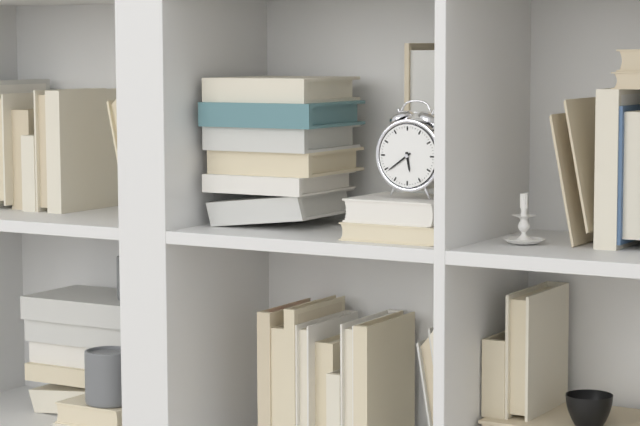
5,39
